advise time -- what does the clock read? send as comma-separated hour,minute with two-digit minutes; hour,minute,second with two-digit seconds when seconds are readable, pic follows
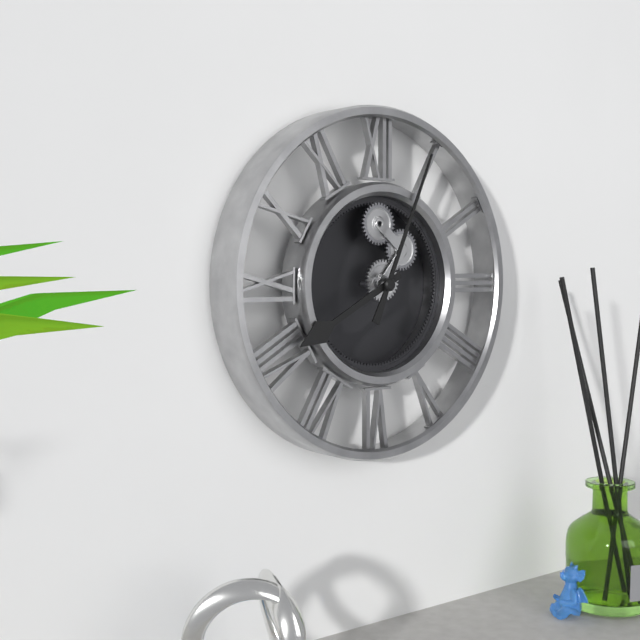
8,04
